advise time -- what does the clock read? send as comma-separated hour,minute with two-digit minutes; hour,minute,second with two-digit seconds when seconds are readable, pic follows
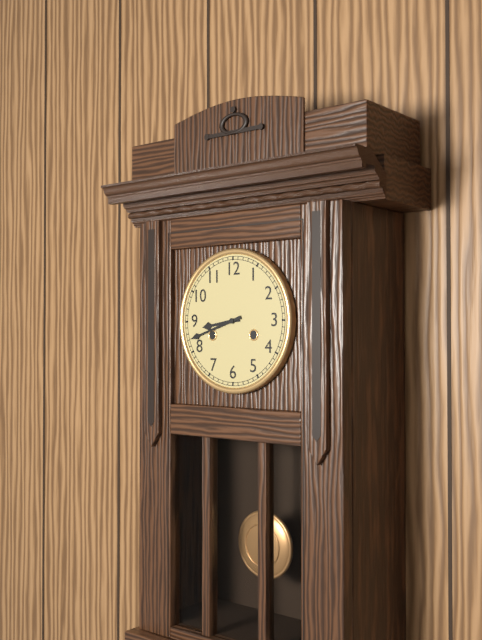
8,42
